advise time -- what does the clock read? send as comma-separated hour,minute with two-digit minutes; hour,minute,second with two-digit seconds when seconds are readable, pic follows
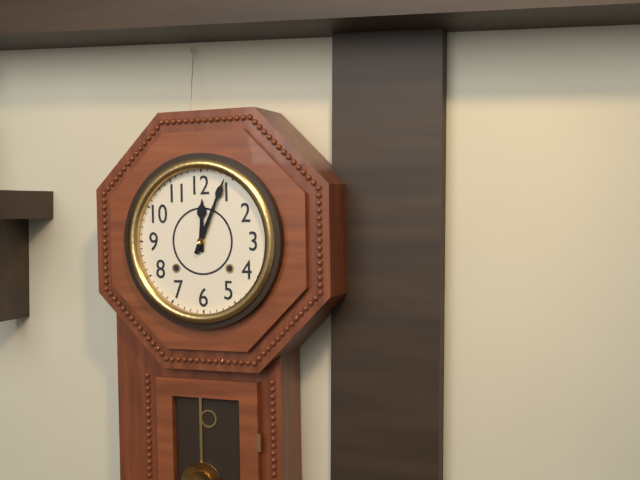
12,04
